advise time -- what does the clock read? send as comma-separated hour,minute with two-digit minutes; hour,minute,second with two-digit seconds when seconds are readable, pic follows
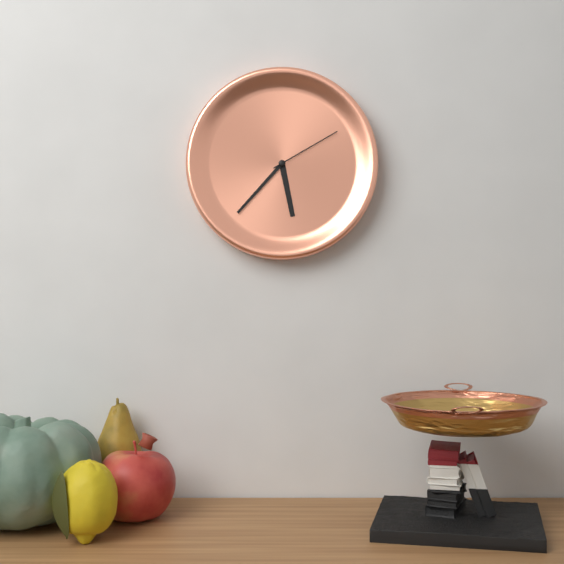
5,37,10
